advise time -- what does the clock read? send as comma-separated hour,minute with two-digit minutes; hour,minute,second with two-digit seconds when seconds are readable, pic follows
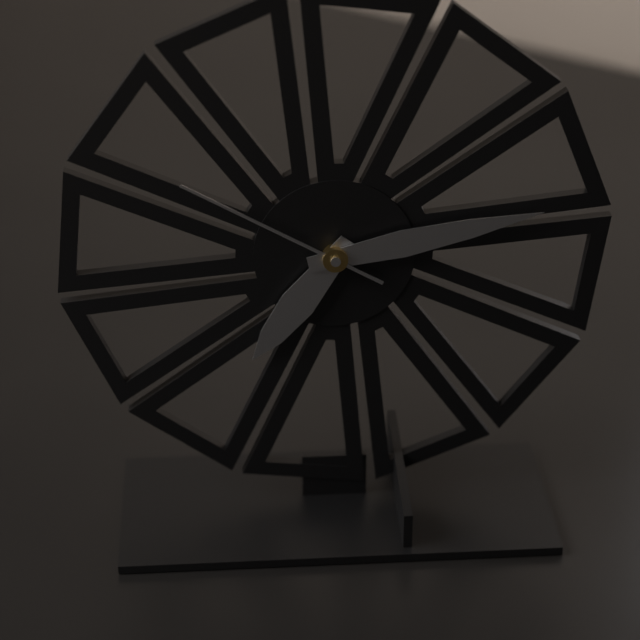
7,13,50
